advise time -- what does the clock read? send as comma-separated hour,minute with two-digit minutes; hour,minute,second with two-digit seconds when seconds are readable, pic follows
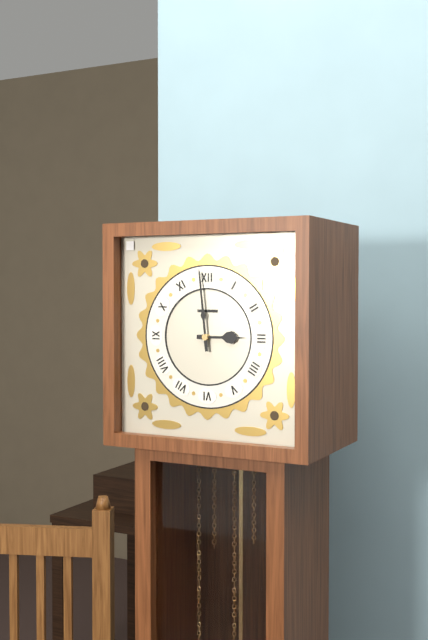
2,59
